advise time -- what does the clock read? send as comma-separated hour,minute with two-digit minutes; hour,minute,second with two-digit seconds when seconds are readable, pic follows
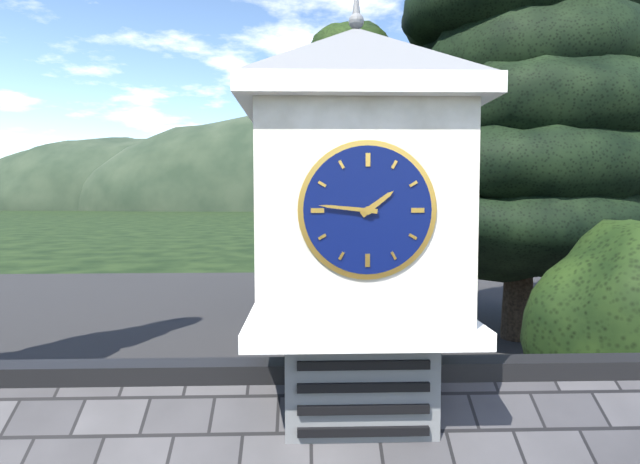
1,46
